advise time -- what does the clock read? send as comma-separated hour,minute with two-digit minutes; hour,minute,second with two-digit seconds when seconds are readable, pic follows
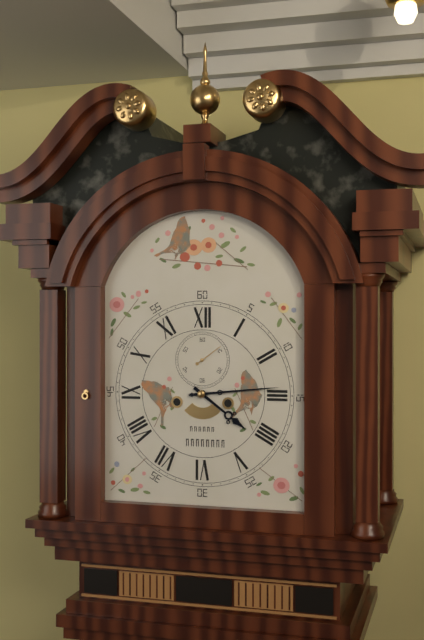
4,14
